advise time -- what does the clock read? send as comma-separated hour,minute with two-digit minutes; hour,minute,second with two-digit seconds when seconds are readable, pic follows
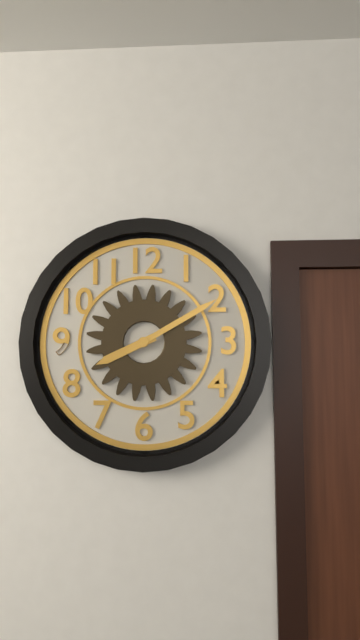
8,10
